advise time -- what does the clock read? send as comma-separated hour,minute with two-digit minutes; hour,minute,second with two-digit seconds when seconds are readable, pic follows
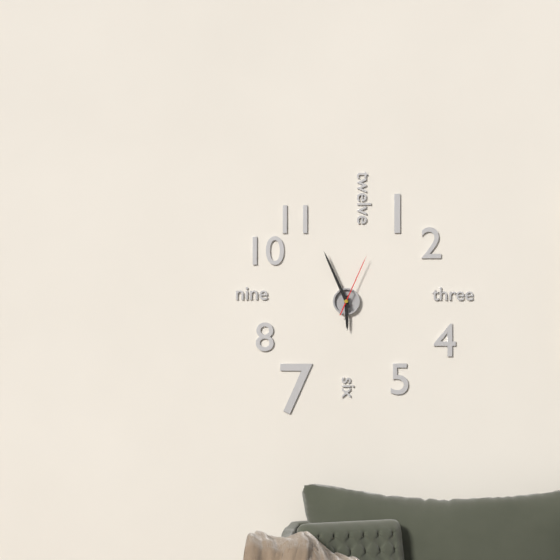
5,56,04
